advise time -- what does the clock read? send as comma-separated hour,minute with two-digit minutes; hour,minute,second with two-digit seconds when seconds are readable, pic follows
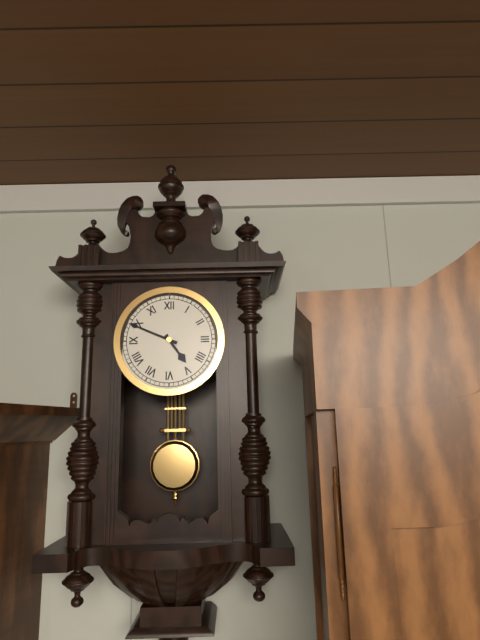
4,49
